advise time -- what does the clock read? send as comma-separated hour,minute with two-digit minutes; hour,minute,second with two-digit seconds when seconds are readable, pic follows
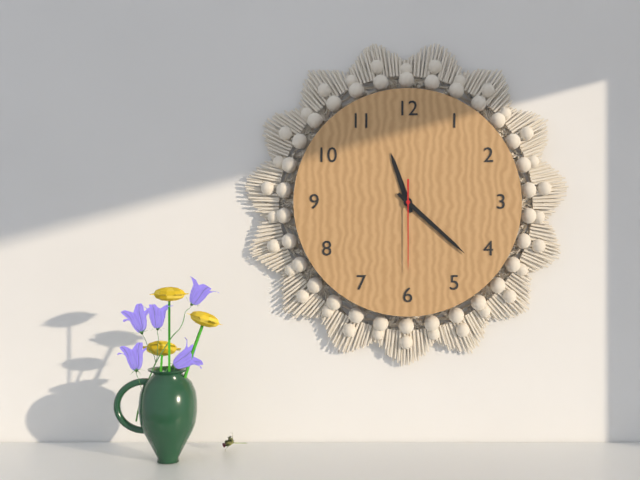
11,22,30
